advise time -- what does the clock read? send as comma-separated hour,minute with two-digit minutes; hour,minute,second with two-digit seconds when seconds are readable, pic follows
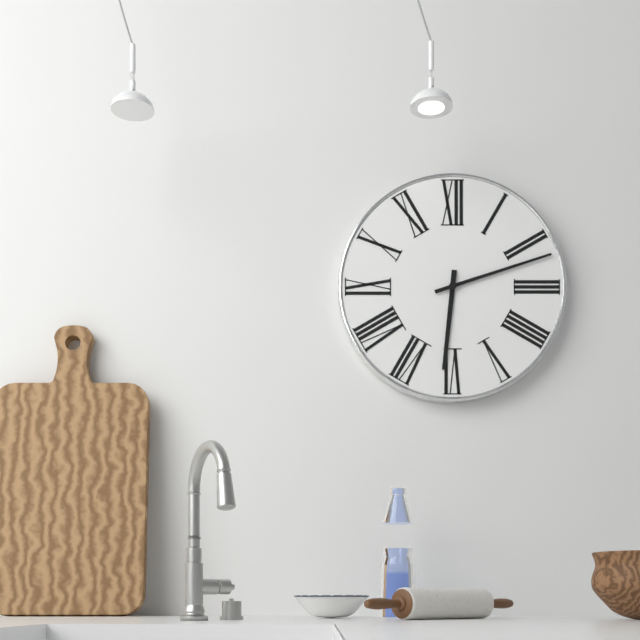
6,12
